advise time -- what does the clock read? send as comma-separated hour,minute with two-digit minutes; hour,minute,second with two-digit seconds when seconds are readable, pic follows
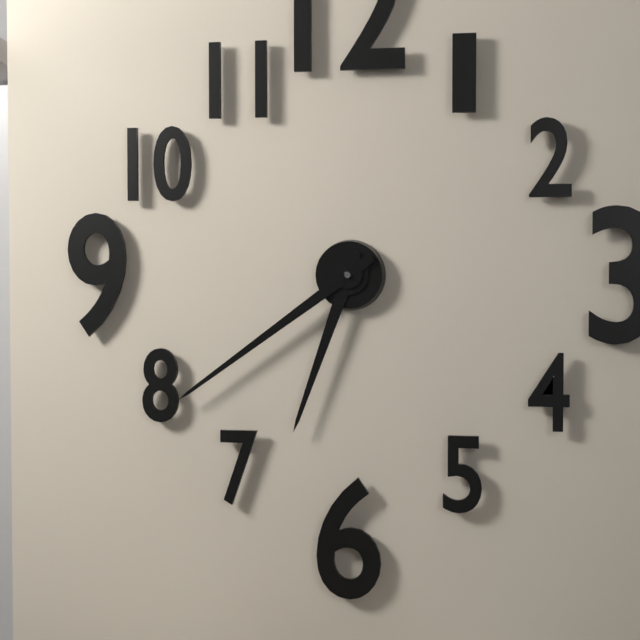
6,39
